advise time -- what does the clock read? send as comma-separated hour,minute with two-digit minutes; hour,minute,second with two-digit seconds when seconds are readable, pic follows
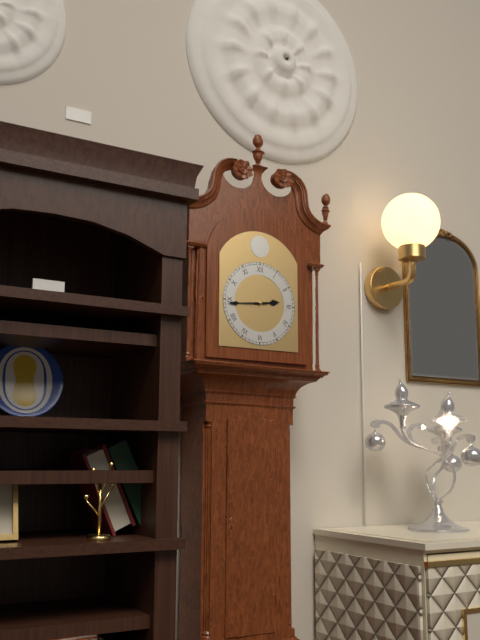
2,44
